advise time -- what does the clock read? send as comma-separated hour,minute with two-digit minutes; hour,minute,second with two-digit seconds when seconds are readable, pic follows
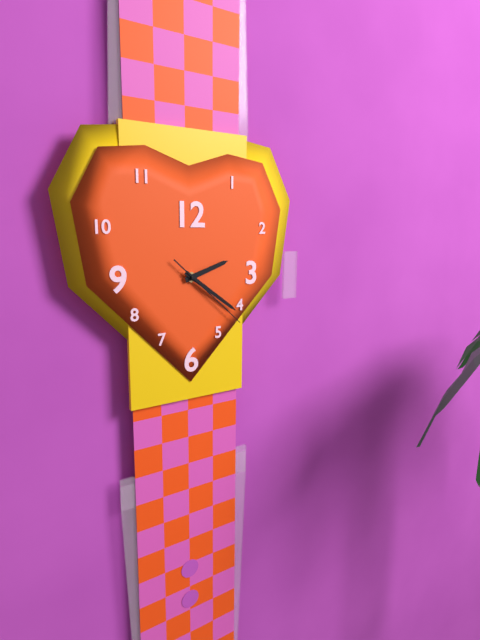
2,21,22
